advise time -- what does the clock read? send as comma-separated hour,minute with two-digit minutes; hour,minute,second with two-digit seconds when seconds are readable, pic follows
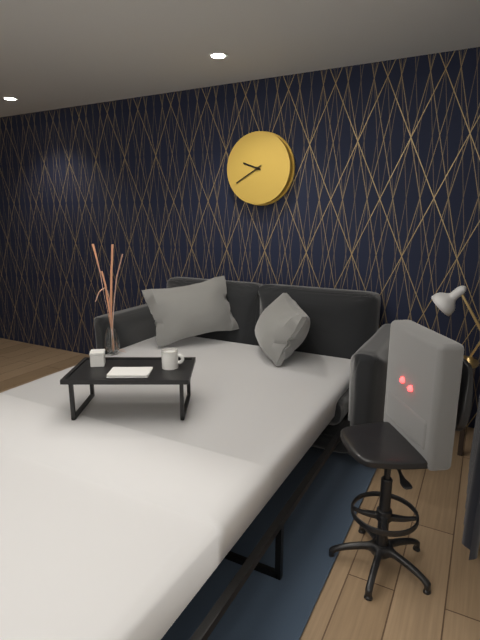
9,40
